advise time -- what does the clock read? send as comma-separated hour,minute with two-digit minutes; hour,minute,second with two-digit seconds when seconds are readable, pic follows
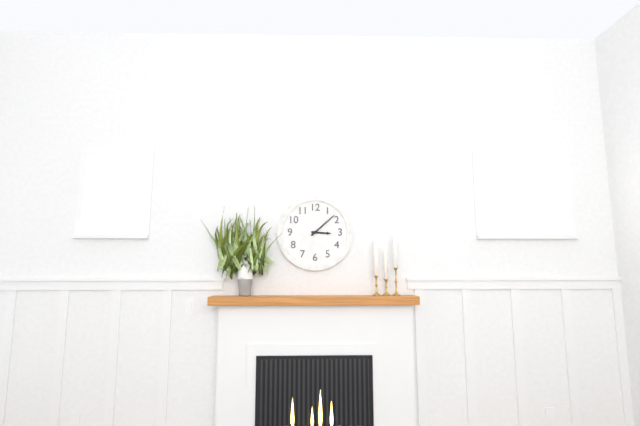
3,08
